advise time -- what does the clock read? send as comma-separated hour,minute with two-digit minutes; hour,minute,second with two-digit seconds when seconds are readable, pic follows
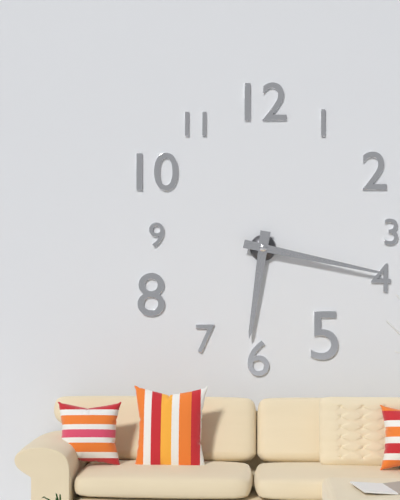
6,17
